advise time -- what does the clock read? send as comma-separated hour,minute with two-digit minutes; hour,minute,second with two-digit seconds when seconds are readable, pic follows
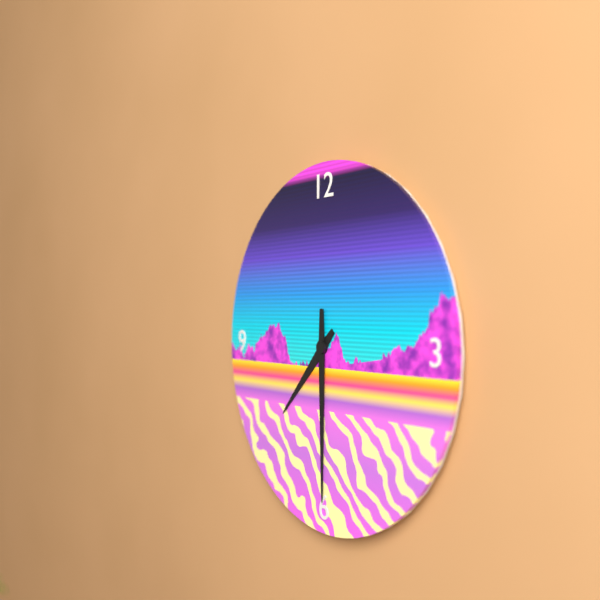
7,30
